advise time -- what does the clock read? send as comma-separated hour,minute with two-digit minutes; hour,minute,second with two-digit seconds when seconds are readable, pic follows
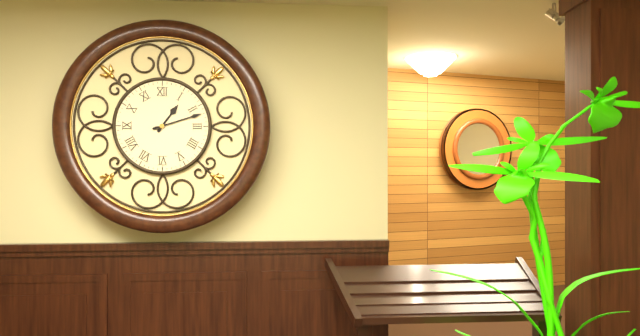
1,12
